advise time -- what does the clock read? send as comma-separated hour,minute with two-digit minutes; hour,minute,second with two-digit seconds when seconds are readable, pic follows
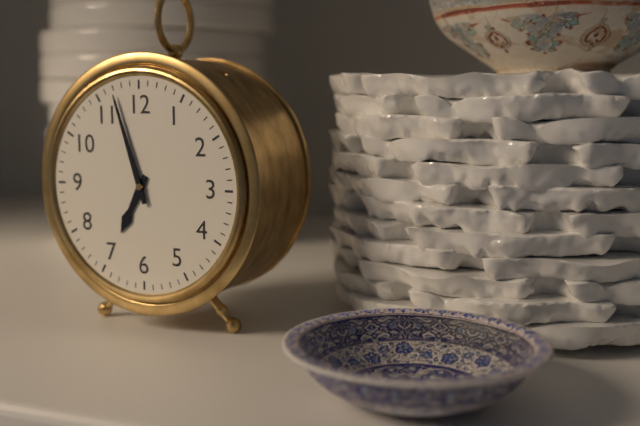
6,57
